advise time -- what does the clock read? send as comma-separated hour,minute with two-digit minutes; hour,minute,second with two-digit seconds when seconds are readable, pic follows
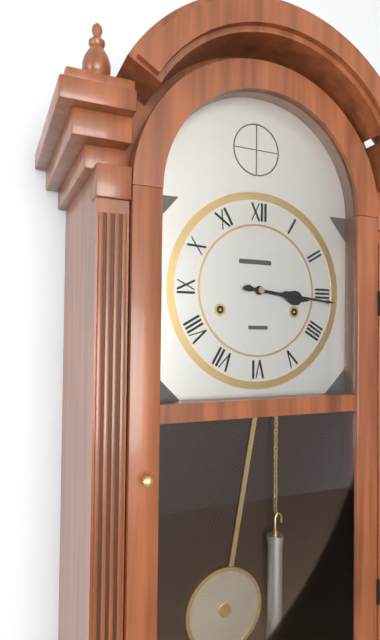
3,16
